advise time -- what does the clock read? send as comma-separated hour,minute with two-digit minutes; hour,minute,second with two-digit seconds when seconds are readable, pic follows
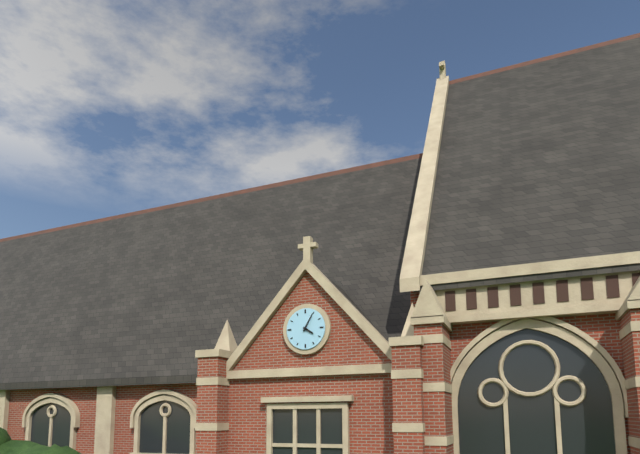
4,05
